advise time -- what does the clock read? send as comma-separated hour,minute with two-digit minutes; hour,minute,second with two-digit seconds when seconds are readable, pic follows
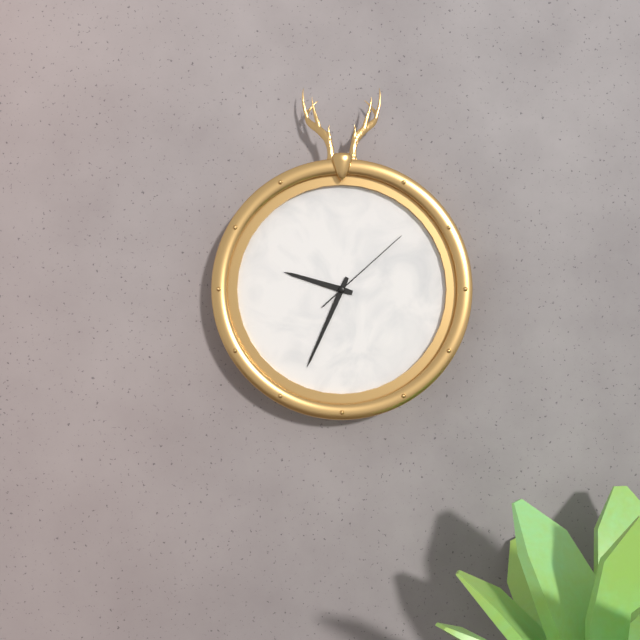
9,34,08
